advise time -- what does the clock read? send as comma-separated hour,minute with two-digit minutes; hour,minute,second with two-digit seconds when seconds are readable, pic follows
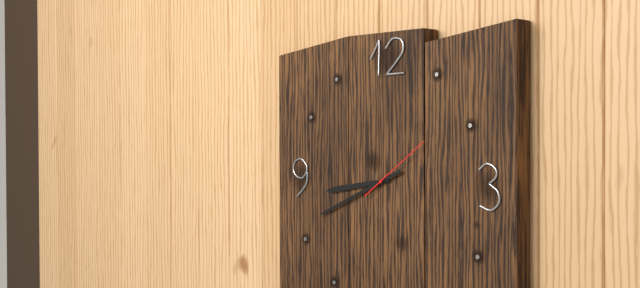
8,41,09
